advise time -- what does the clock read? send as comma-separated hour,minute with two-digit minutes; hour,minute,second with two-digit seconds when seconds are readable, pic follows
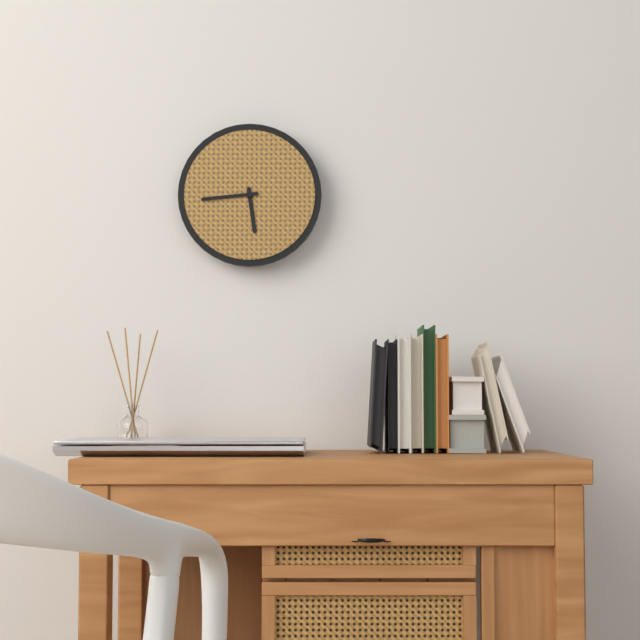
5,44
